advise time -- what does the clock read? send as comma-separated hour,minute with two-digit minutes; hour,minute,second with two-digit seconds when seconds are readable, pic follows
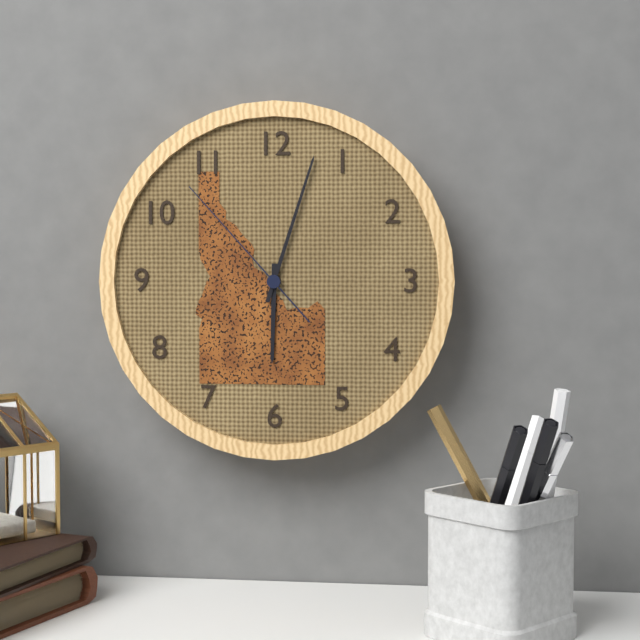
6,03,53
